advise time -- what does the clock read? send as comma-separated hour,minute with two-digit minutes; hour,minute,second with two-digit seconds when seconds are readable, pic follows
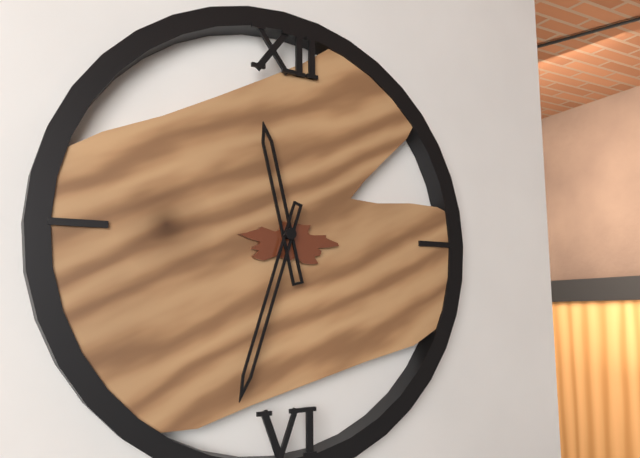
11,33
